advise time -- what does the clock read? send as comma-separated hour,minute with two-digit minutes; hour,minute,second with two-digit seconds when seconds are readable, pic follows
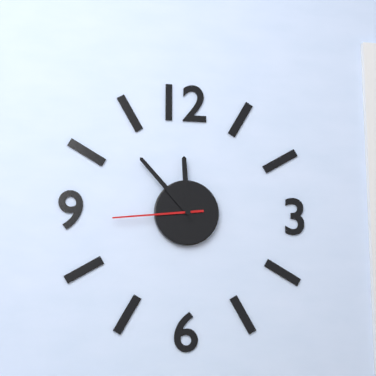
11,53,44
